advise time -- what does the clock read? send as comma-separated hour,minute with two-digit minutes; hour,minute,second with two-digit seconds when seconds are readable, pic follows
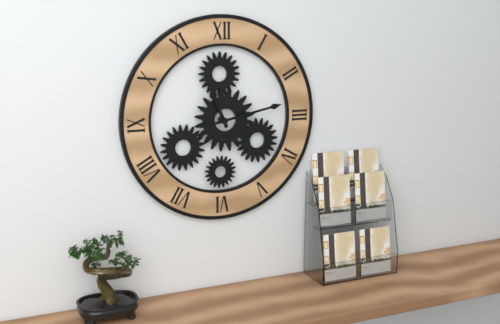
11,13
